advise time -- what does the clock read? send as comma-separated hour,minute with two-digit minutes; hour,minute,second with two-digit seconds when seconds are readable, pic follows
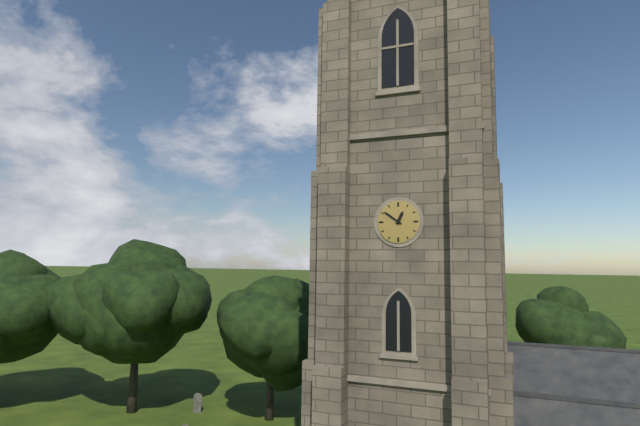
12,51
